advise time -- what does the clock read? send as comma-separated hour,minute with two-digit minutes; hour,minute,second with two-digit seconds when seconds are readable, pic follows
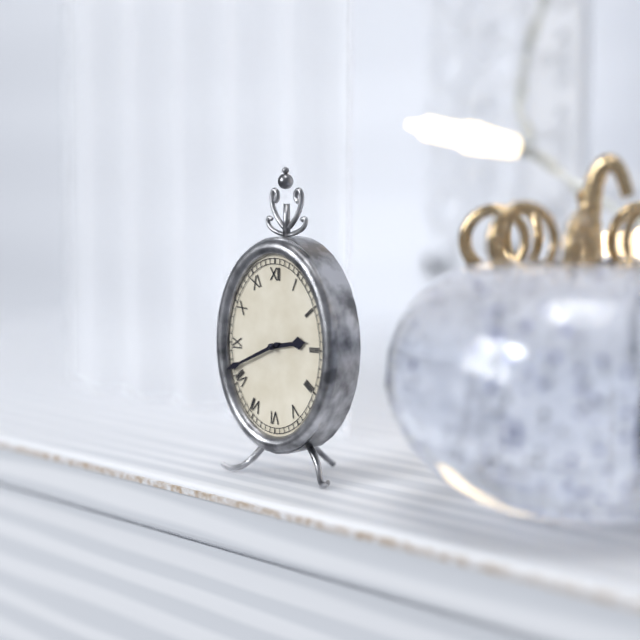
2,41
